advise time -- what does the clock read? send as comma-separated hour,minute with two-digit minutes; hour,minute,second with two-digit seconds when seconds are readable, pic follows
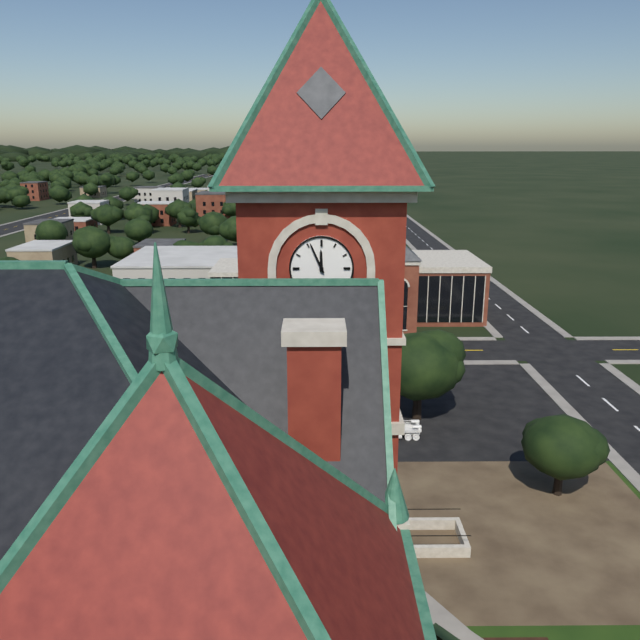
11,56
